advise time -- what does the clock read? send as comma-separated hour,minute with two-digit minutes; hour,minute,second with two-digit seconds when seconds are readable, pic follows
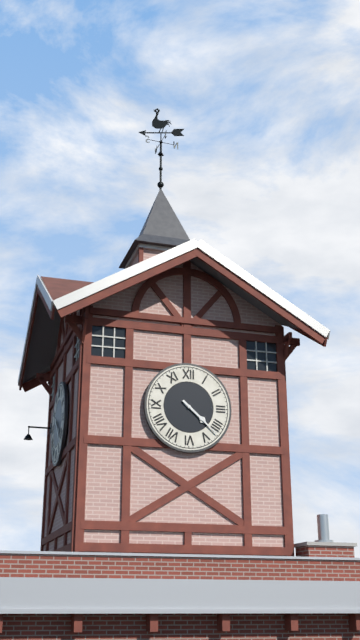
4,22
